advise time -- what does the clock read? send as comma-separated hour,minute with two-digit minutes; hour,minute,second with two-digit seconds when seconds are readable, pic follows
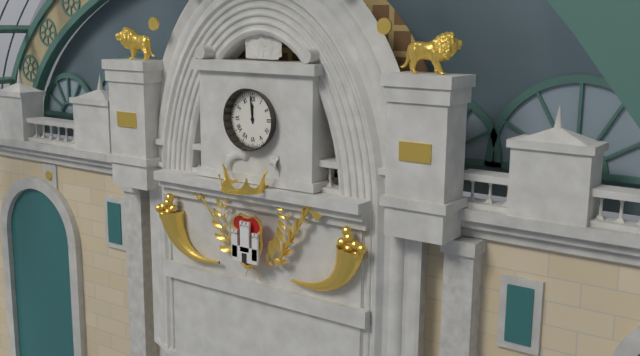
11,59
